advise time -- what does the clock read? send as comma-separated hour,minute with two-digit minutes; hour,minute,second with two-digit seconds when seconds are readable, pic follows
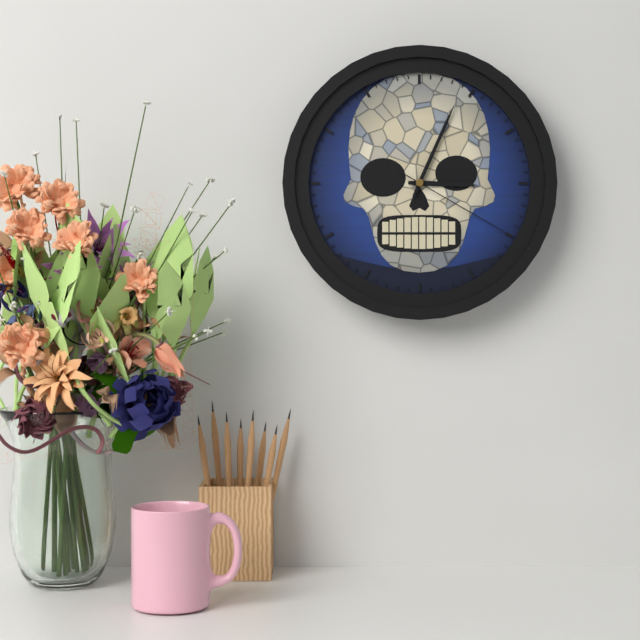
3,04,20
